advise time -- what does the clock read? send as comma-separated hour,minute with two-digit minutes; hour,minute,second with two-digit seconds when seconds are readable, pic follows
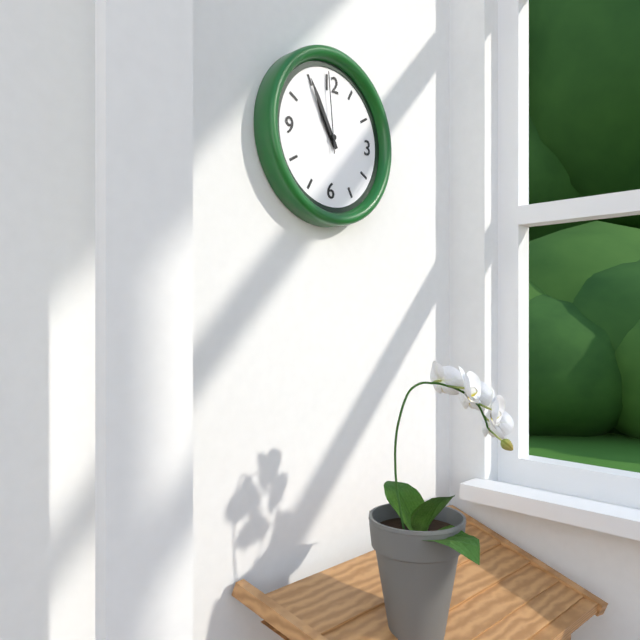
10,55,59
